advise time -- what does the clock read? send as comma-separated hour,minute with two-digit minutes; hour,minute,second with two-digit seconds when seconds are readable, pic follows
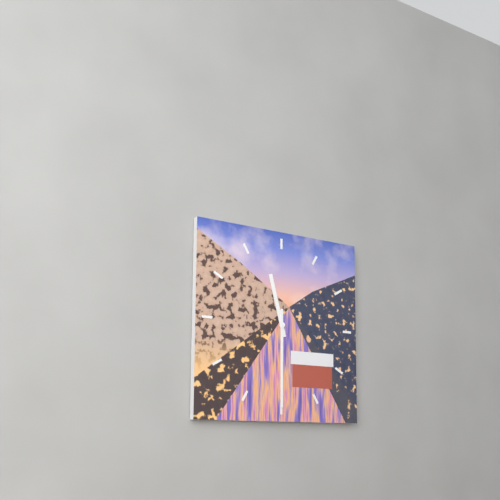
11,30
